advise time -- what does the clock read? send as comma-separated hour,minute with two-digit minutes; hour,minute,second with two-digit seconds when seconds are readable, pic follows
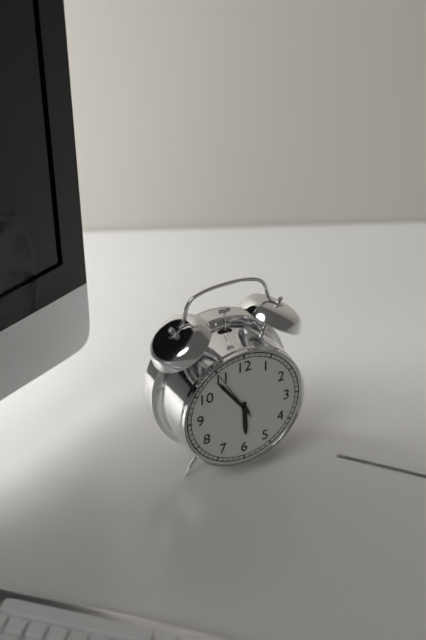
5,54,55
